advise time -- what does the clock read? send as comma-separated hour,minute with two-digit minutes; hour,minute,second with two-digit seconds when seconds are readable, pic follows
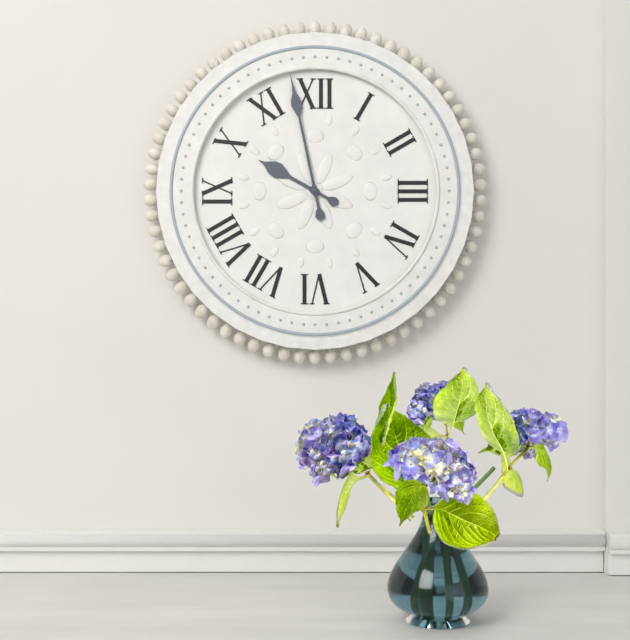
9,58
